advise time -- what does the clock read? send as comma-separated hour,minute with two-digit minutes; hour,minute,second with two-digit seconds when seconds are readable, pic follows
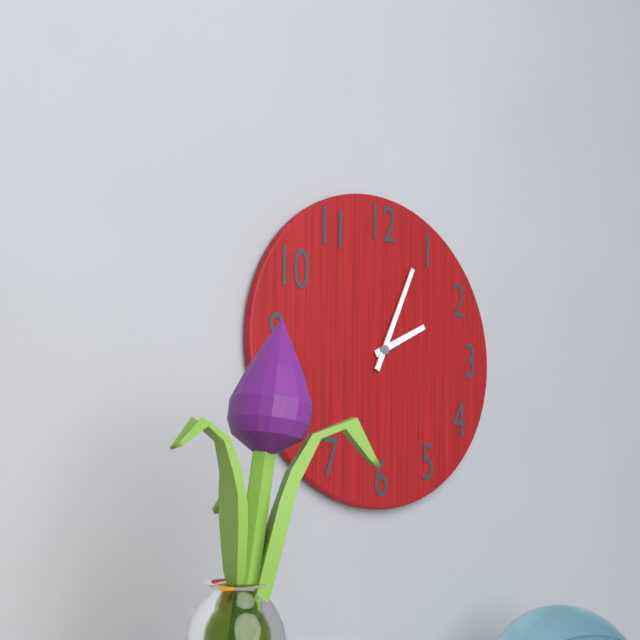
2,04
